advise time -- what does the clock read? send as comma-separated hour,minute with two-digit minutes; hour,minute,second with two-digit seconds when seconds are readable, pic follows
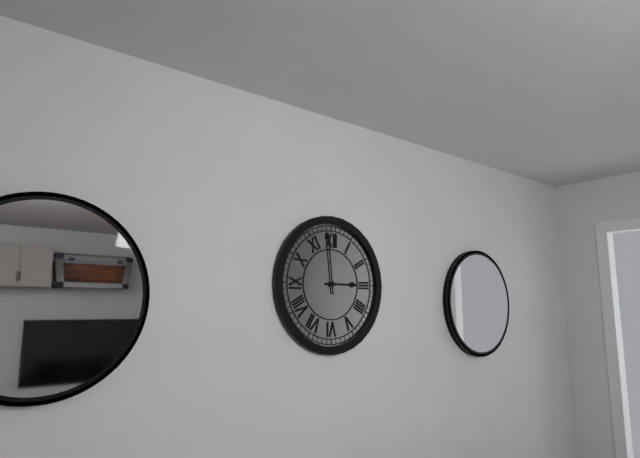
2,59
